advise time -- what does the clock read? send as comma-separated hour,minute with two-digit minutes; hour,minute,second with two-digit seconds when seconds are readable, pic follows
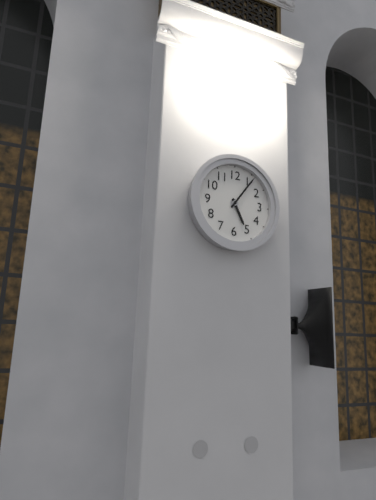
5,06
